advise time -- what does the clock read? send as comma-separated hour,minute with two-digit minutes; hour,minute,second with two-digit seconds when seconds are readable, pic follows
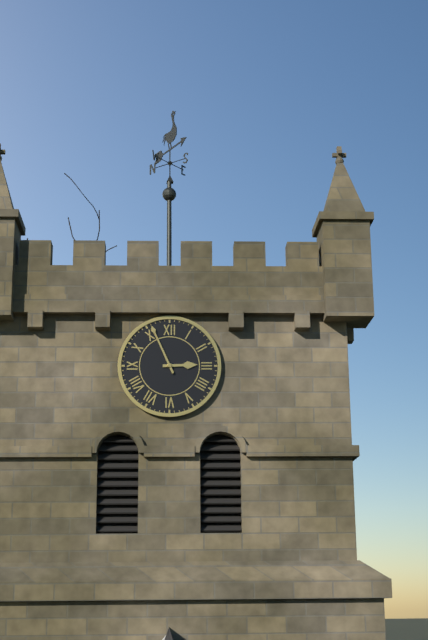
2,56
